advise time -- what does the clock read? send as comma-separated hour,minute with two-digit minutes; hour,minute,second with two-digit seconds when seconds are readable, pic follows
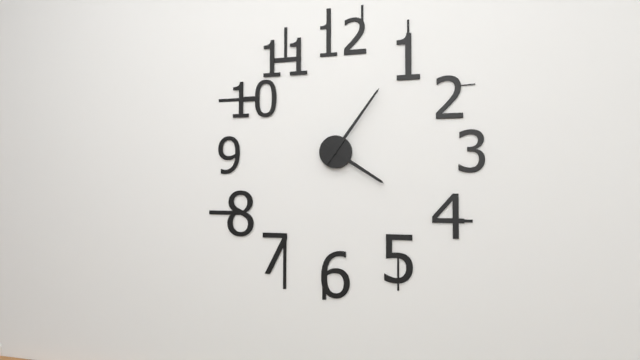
4,06
